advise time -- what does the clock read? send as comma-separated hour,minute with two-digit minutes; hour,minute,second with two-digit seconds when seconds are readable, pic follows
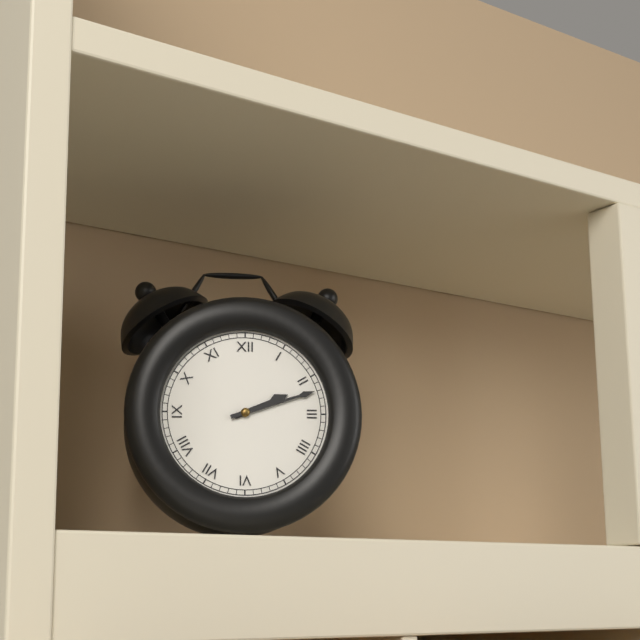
2,12
